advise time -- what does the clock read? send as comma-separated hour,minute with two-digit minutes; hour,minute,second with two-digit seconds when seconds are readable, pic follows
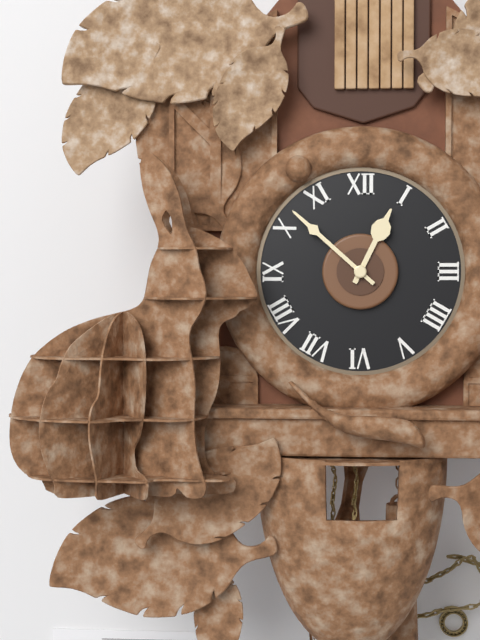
12,52
